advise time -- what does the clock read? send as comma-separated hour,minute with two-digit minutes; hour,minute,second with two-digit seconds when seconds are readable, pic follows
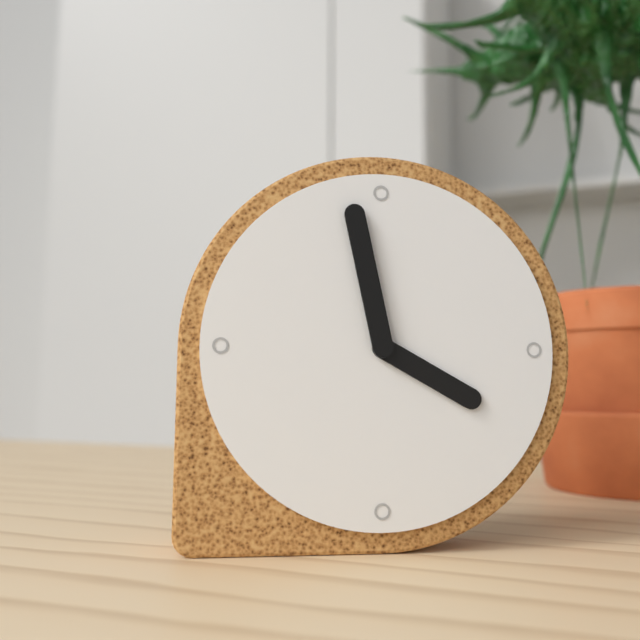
3,58
